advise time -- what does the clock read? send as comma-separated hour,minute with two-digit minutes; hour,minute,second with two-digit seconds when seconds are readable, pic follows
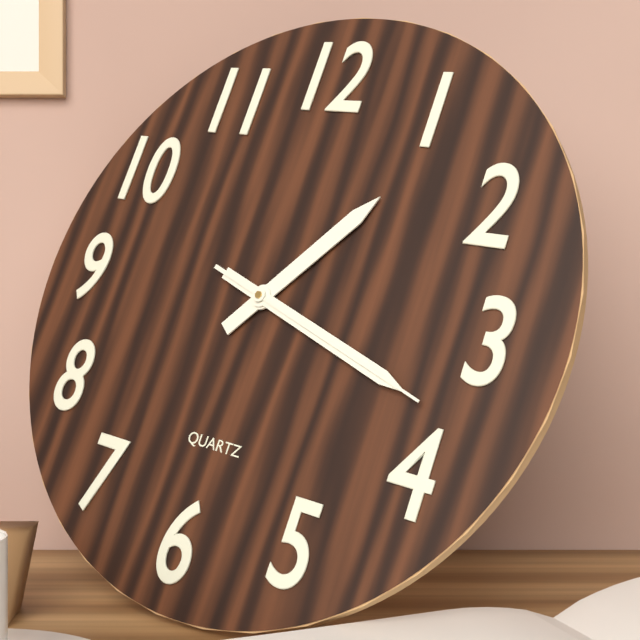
1,18,18
